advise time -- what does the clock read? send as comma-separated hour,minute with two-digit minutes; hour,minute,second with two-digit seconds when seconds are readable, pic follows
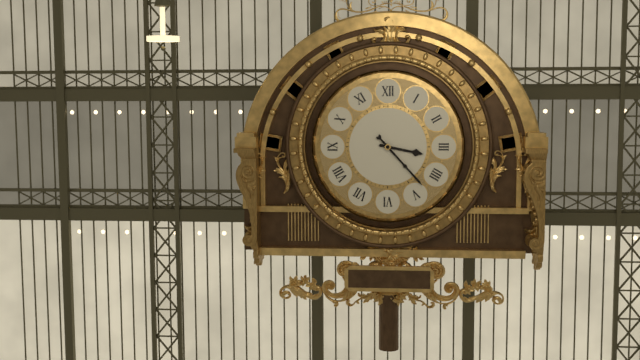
3,23
